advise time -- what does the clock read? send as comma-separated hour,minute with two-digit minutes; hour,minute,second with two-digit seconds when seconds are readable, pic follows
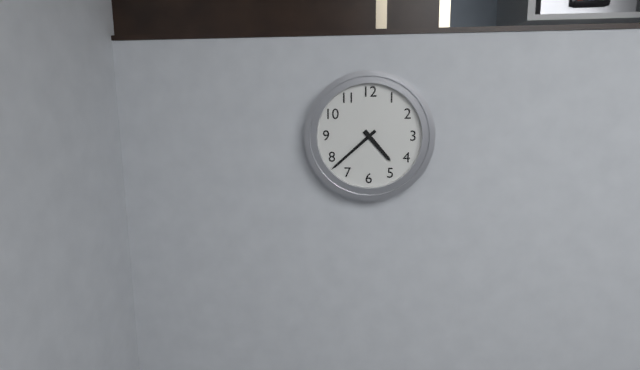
4,38
